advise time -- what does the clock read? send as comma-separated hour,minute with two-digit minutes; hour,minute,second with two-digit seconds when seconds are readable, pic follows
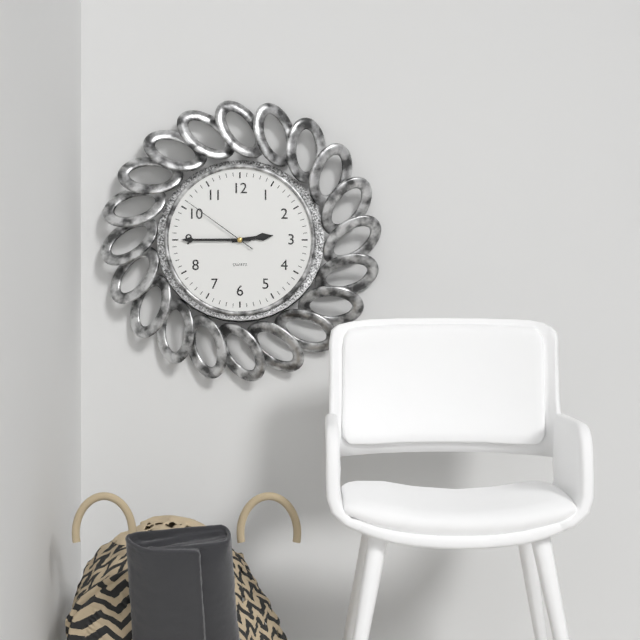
2,45,51
